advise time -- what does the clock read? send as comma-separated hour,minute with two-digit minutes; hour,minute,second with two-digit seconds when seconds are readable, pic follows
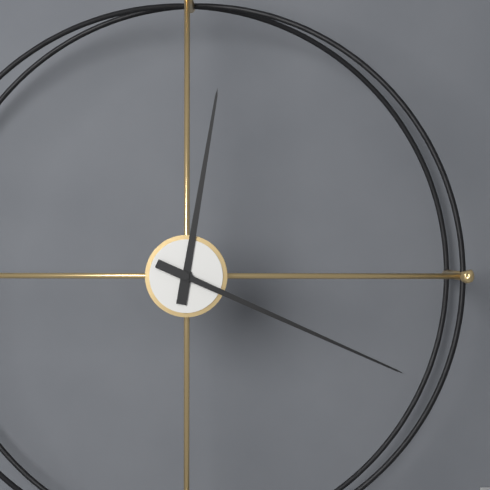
12,19
